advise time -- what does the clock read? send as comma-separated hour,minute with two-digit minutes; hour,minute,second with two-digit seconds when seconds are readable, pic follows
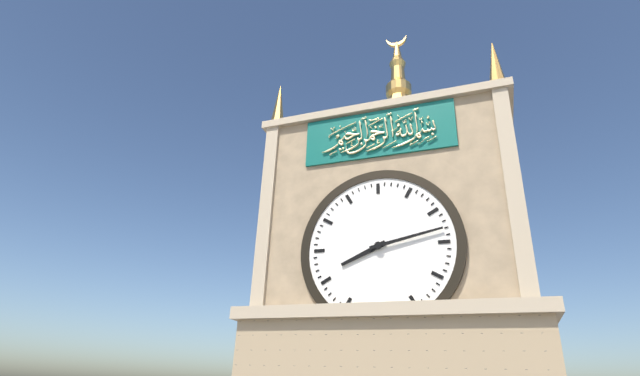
8,13
